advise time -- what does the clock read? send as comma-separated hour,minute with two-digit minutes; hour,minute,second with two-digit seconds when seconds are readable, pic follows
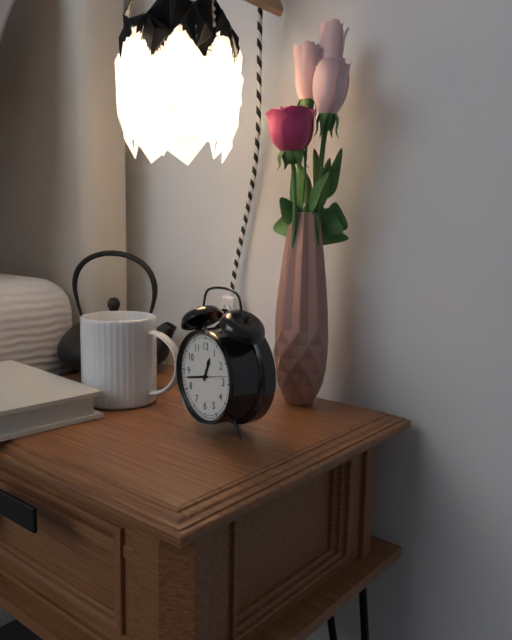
12,43
